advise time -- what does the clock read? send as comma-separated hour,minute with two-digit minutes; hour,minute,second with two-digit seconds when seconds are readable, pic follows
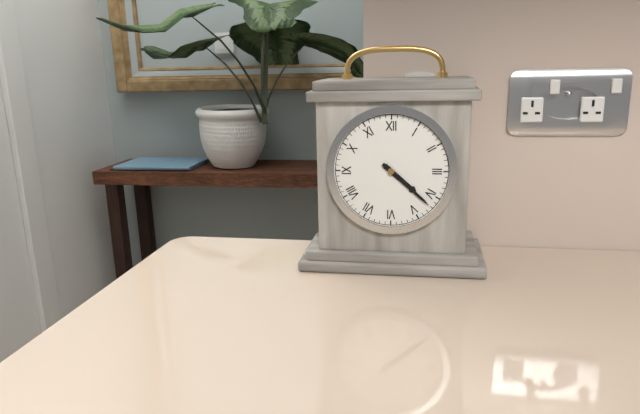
4,22
